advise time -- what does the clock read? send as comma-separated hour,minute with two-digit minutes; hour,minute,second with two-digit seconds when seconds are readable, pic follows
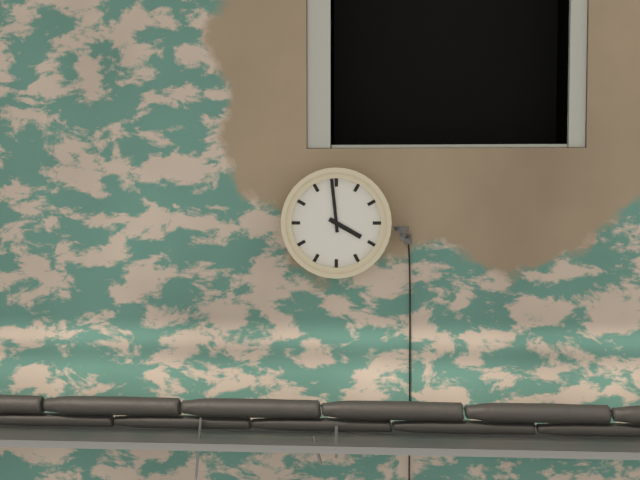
3,59
